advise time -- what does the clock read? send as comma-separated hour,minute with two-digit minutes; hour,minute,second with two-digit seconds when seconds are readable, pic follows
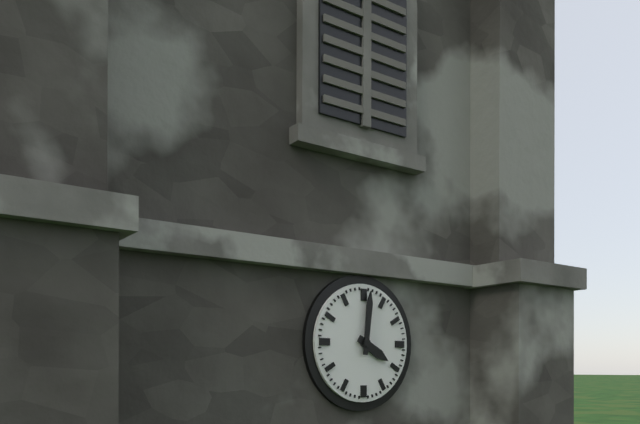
4,01
